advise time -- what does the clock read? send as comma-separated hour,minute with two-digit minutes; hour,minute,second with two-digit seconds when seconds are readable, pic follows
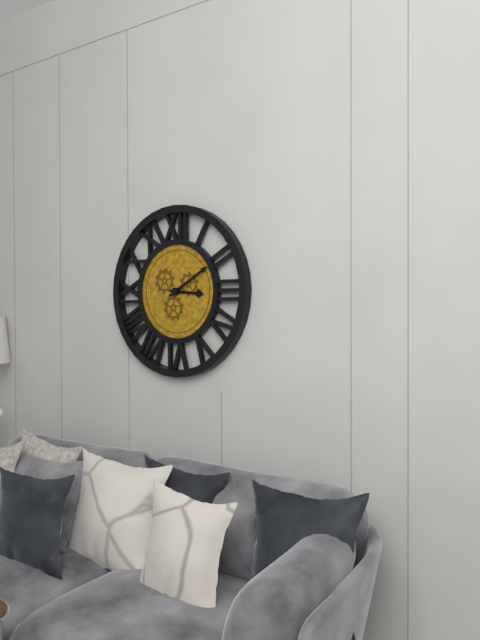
3,10
